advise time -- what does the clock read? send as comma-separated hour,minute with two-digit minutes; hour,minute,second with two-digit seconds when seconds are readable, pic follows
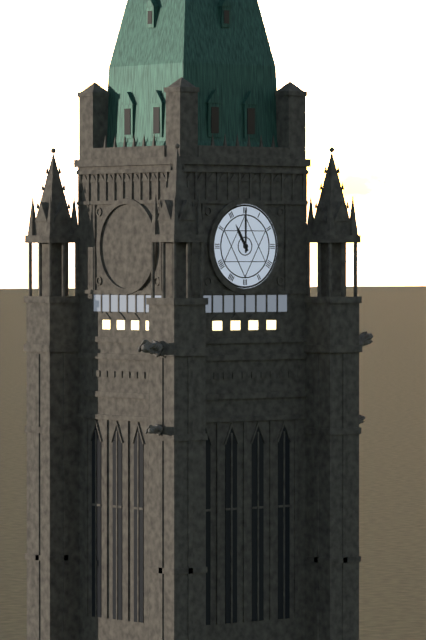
11,00
